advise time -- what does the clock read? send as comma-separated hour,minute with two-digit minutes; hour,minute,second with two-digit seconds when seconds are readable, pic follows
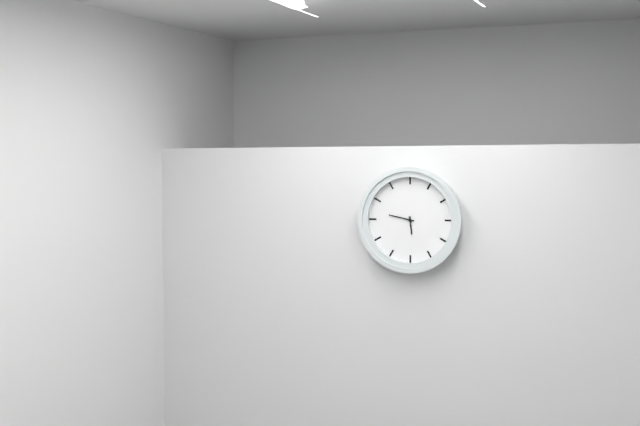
5,47
